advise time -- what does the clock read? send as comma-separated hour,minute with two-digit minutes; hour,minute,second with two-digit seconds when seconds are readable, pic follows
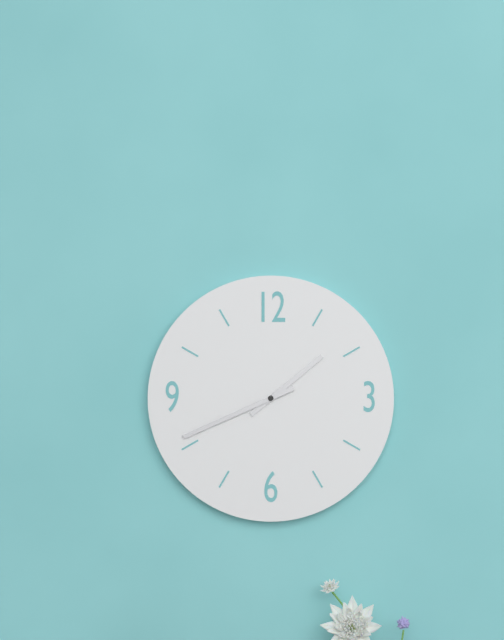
1,41
